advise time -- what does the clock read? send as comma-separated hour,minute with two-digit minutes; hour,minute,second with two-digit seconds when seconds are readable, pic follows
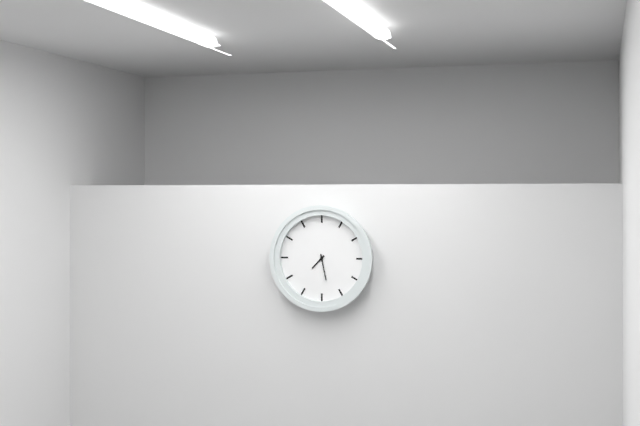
7,28
